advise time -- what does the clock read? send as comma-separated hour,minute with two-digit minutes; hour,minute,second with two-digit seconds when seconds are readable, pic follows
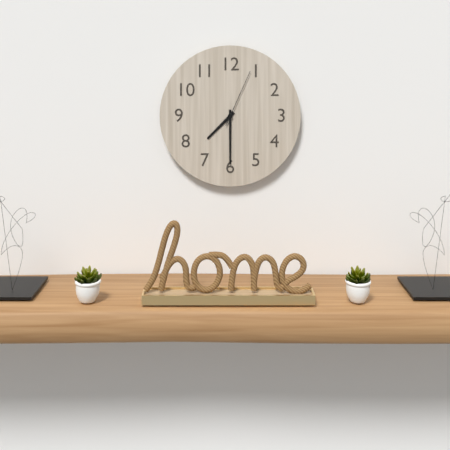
7,30,04
